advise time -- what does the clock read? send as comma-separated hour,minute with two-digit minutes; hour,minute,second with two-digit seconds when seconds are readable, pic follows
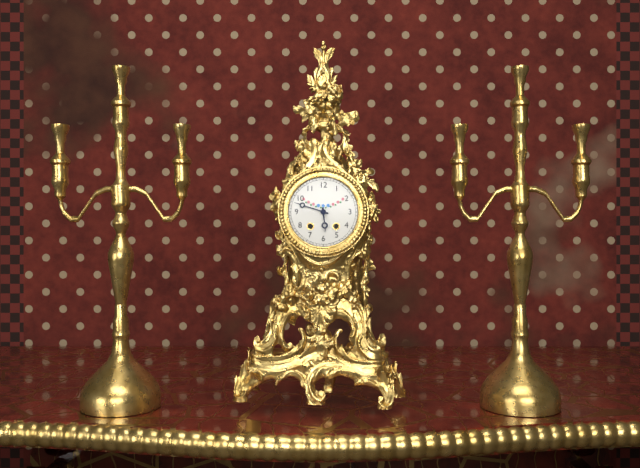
5,48
